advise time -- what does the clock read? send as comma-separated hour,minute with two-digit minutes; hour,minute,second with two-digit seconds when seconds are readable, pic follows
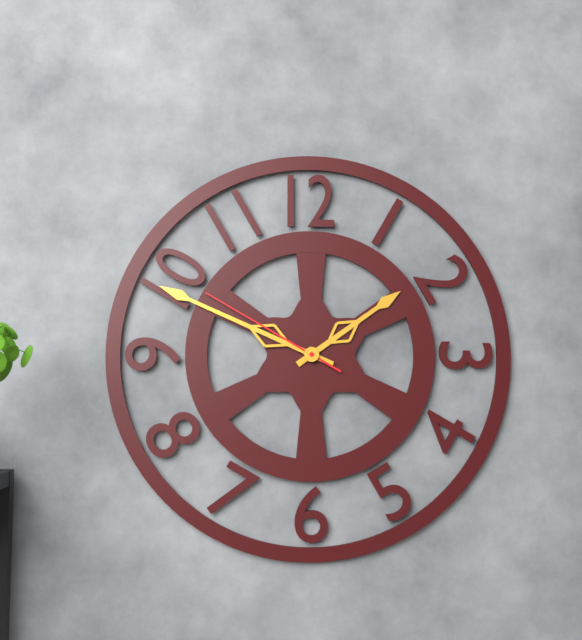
1,49,50
